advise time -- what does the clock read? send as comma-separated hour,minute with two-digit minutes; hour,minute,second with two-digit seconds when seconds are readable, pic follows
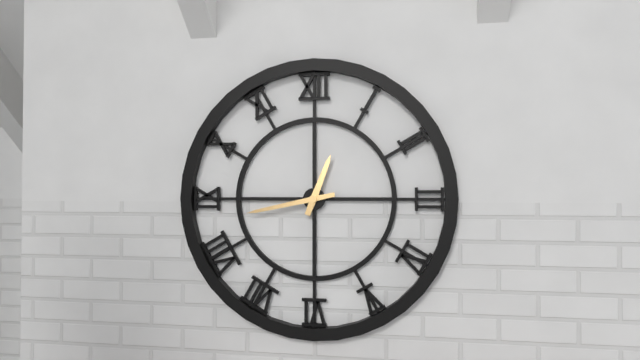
12,43
